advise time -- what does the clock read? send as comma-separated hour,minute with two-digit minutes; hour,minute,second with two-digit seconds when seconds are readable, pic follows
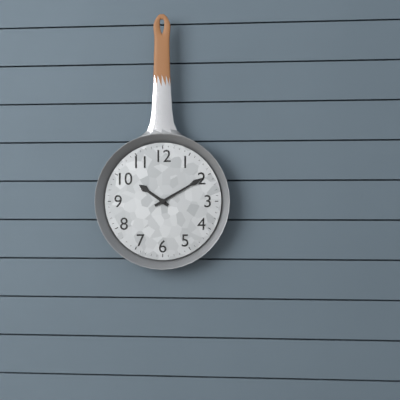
10,10
